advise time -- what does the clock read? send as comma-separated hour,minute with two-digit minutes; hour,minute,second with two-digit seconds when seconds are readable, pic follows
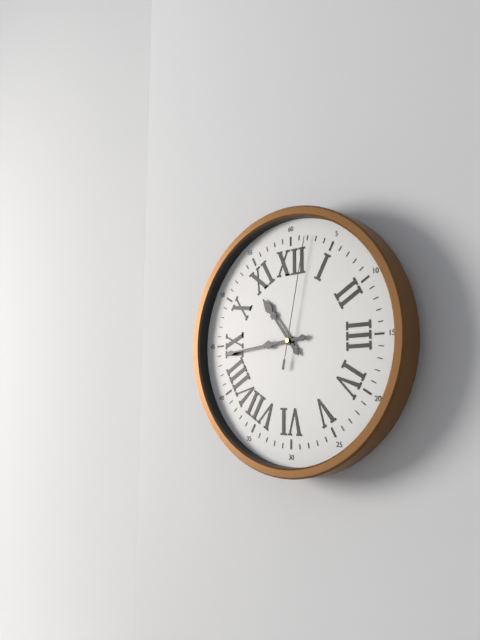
10,44,02
